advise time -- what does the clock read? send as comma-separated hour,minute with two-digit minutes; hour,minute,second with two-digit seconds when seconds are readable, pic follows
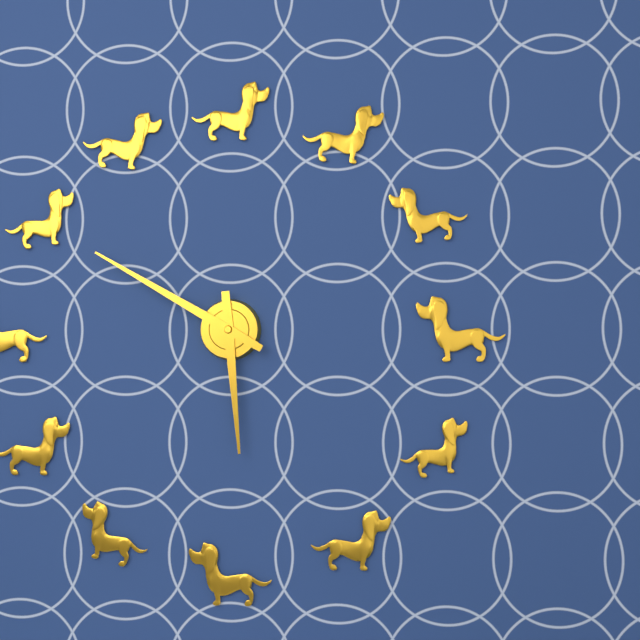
5,50
